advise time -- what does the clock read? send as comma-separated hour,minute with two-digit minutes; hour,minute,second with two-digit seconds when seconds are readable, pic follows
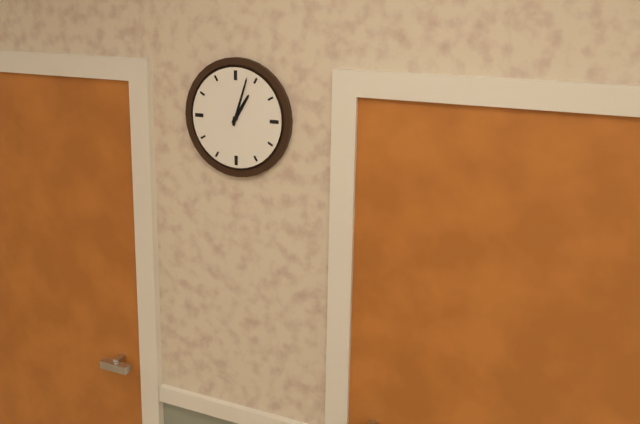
1,03
